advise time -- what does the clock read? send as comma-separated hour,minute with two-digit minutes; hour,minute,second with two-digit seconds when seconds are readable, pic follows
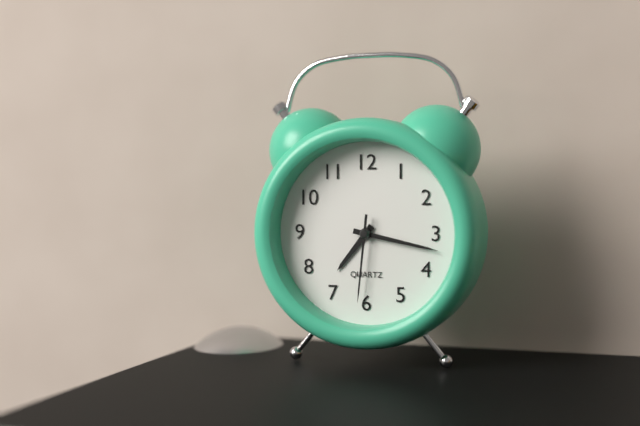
7,17,31
